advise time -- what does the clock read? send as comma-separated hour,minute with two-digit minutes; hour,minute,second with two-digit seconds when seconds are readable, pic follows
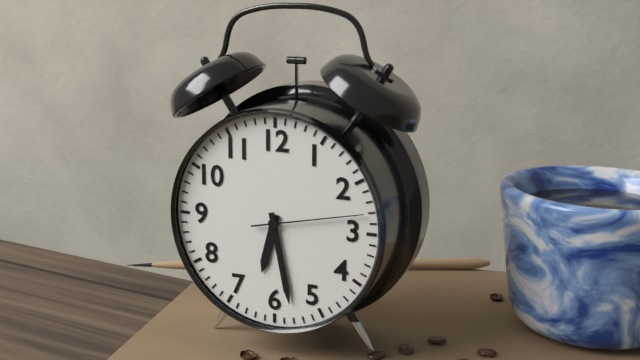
6,28,13
